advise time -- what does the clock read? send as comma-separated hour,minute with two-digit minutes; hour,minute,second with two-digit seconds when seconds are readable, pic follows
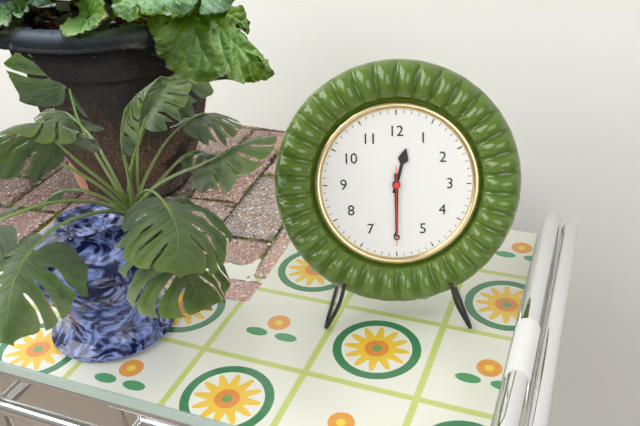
12,30,30
